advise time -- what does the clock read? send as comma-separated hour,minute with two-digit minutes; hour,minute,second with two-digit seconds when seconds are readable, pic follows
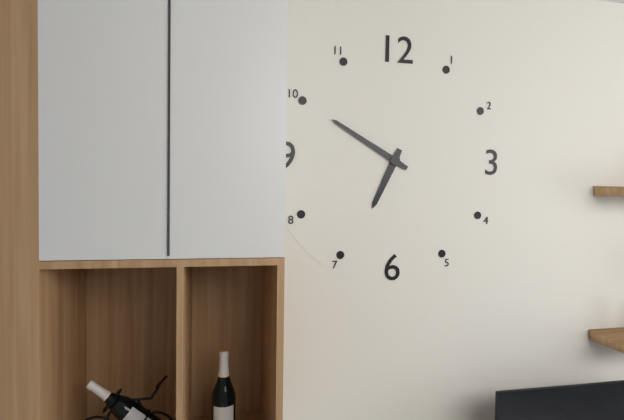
6,50
